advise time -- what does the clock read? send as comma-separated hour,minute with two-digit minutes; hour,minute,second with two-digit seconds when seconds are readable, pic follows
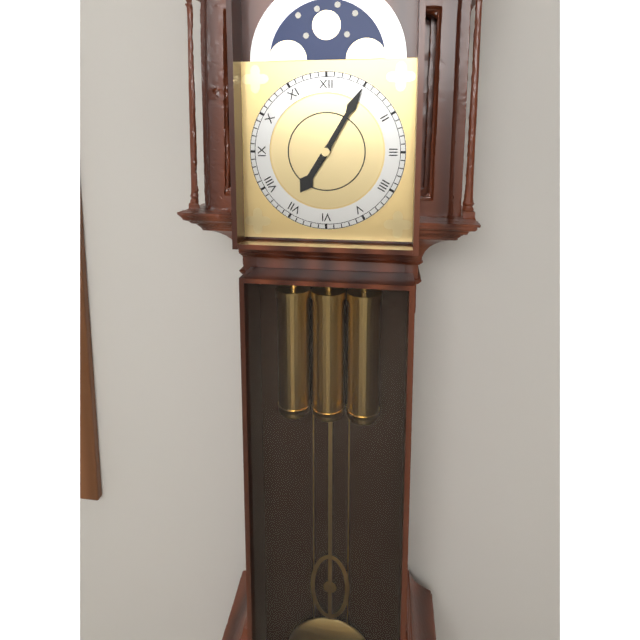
7,05
